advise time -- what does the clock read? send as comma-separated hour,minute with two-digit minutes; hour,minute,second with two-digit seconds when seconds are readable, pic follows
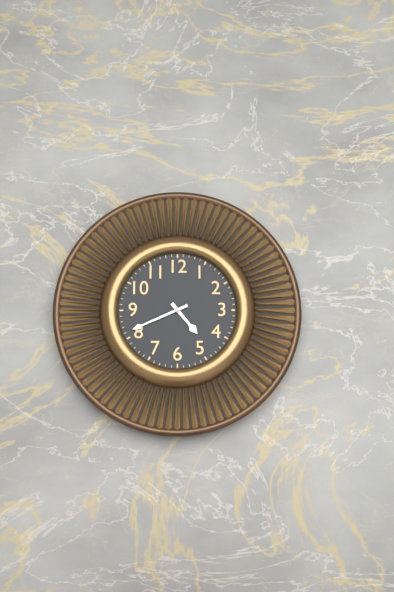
4,41
